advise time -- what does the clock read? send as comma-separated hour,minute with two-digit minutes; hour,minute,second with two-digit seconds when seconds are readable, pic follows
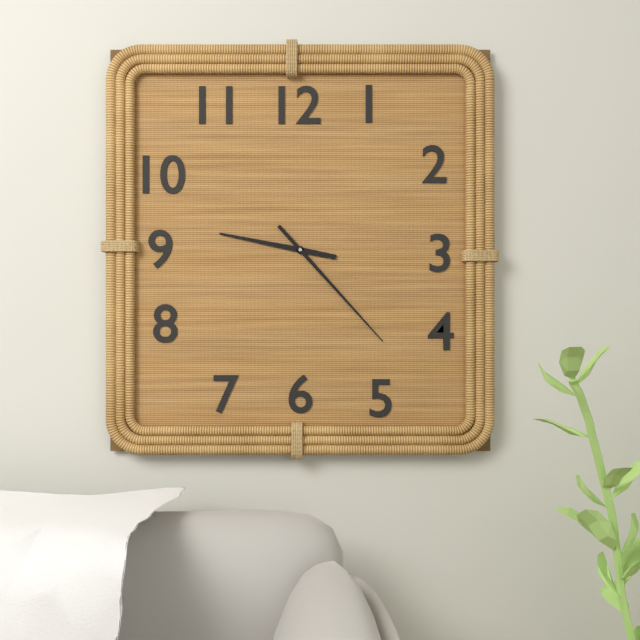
9,23
